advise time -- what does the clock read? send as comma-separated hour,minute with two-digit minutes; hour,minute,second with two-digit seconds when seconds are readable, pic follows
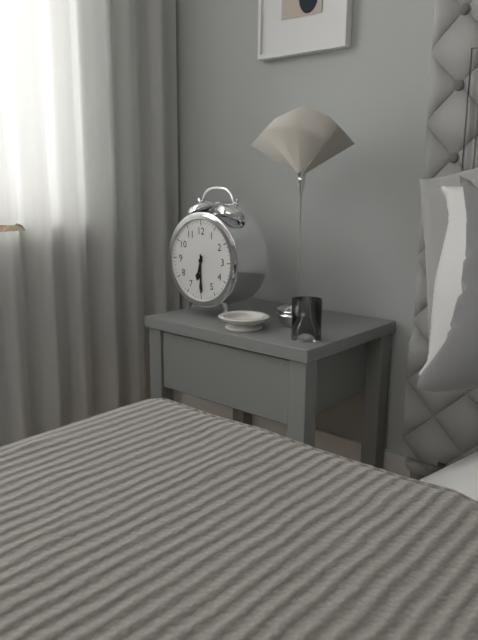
6,30
